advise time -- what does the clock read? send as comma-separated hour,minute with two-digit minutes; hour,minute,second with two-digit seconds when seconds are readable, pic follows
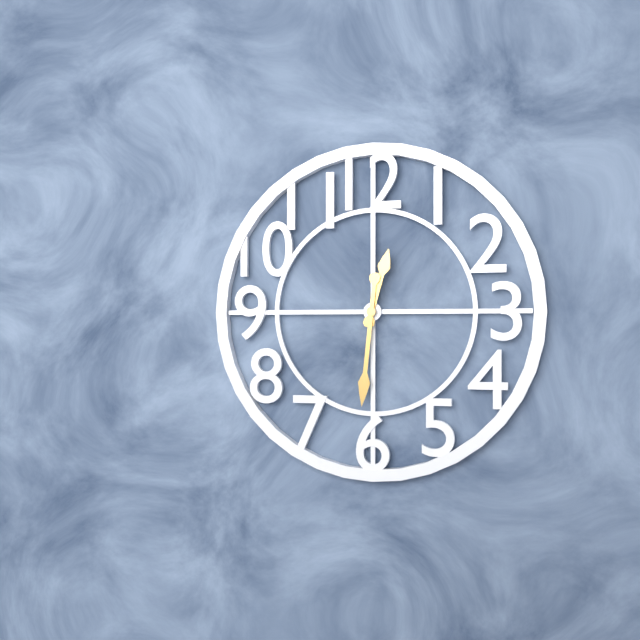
12,31
